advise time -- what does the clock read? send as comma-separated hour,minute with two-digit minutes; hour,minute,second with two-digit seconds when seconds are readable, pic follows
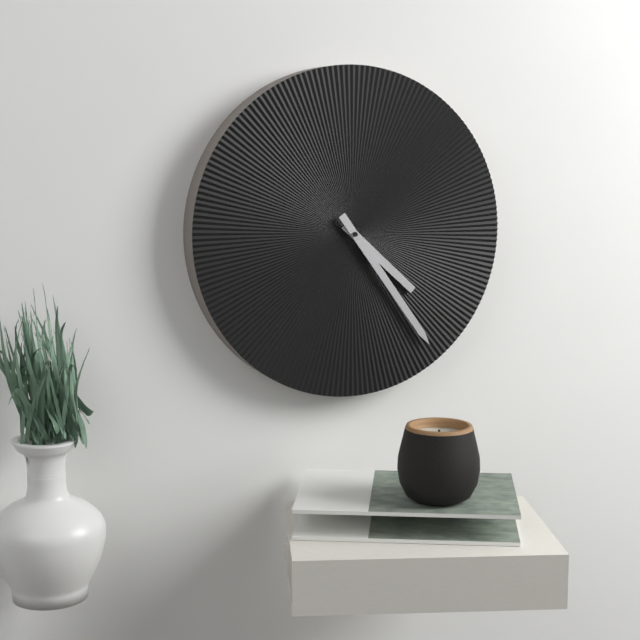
4,24
